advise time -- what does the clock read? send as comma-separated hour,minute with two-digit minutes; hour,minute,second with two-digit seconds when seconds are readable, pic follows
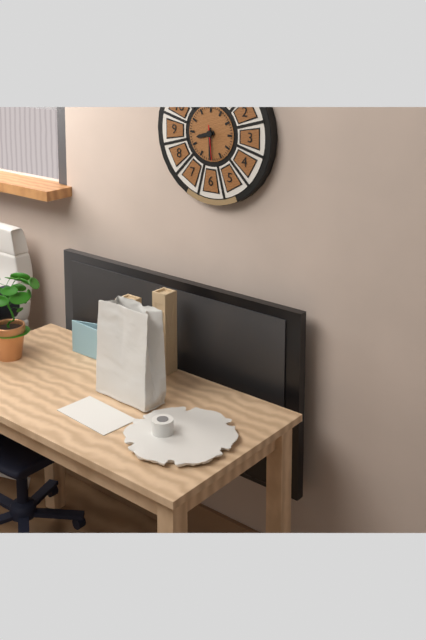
8,30
